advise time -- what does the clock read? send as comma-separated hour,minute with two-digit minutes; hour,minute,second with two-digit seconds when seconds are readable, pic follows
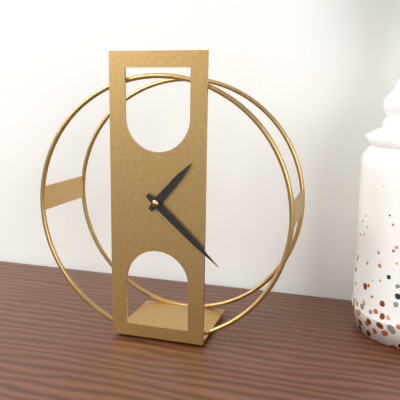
1,22
